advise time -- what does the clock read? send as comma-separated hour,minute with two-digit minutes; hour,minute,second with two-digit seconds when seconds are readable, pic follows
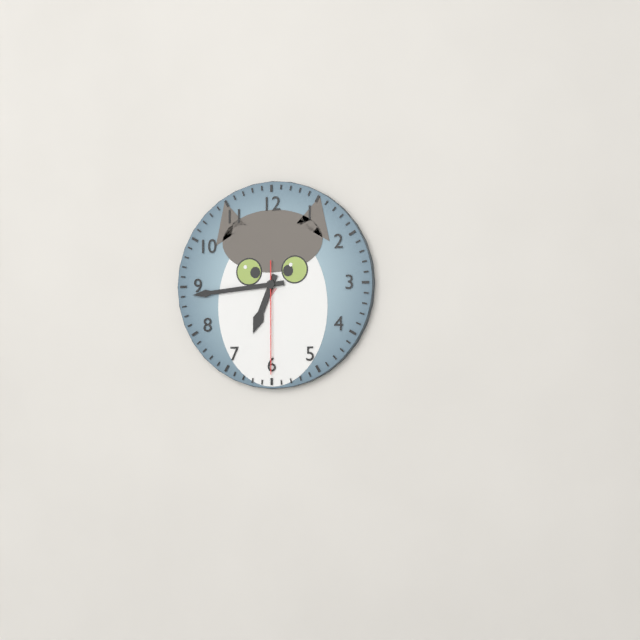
6,44,30
